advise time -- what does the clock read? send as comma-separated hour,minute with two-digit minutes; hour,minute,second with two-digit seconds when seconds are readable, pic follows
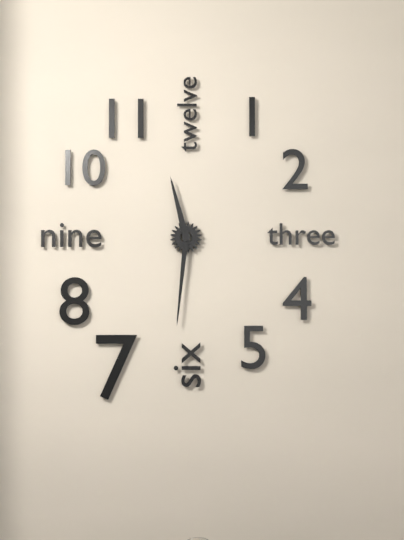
11,31
